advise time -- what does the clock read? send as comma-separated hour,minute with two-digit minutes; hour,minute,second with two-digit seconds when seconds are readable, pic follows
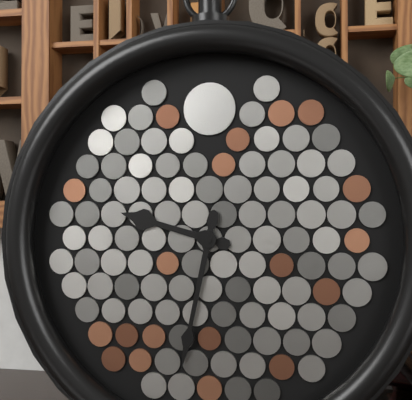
9,32
